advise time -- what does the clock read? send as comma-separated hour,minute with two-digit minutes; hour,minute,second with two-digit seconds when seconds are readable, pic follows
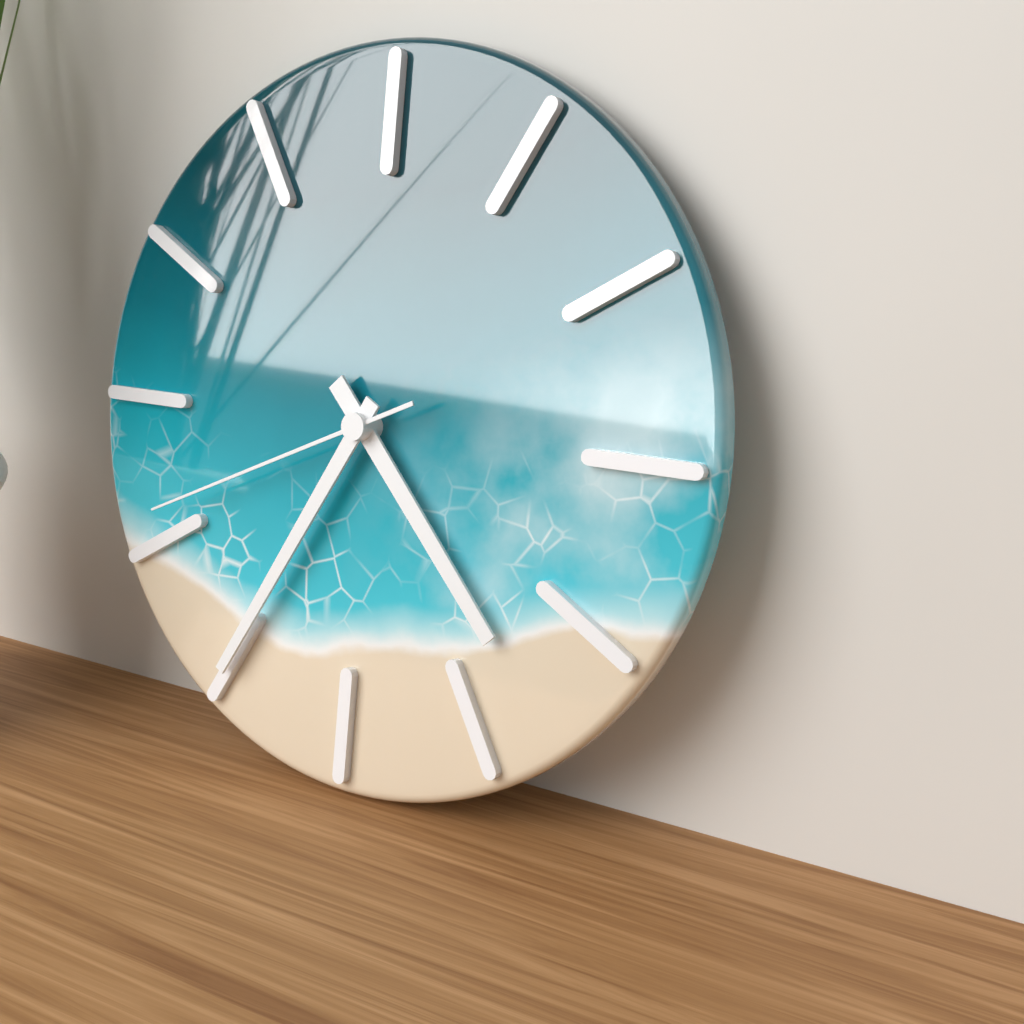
4,35,41
